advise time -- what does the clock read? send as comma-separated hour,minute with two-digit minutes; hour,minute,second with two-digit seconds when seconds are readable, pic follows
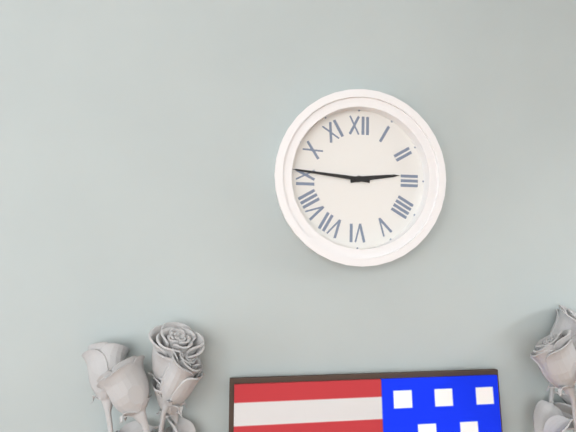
2,46
